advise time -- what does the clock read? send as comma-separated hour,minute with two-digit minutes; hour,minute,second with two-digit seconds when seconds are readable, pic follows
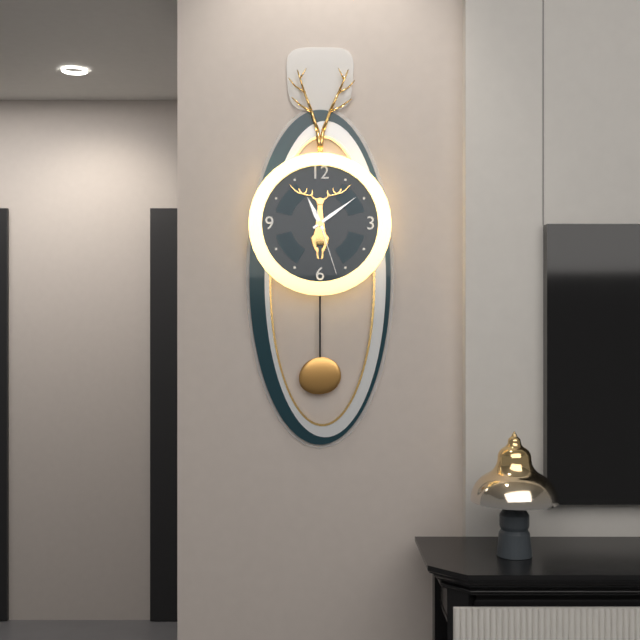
11,09,27
